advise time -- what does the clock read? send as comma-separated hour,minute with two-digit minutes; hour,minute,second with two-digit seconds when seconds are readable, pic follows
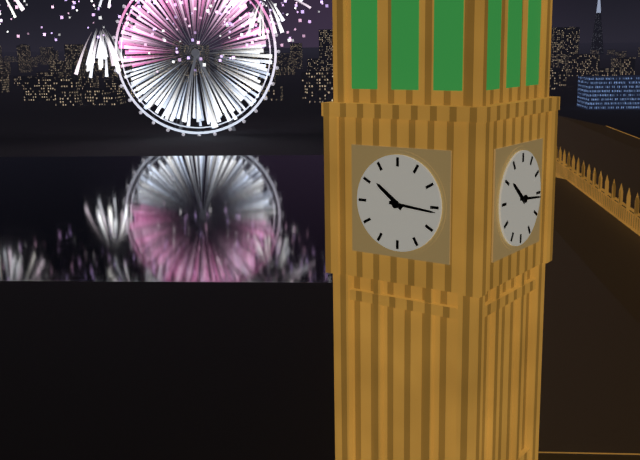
10,16
